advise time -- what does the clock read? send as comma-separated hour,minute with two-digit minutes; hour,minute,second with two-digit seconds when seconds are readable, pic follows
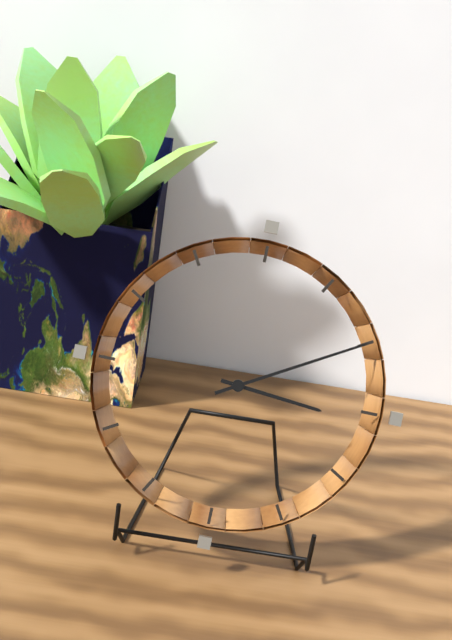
3,10
